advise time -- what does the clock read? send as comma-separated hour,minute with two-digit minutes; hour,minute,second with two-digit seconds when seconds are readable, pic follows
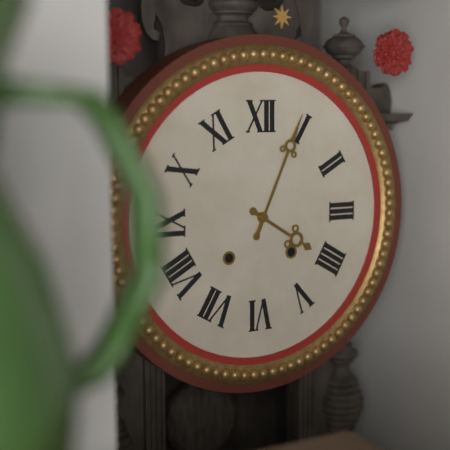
4,04
